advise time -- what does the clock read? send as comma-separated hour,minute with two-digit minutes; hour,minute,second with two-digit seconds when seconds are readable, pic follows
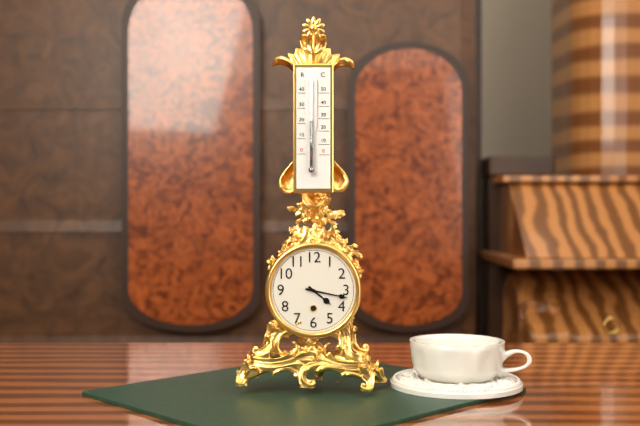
4,17
